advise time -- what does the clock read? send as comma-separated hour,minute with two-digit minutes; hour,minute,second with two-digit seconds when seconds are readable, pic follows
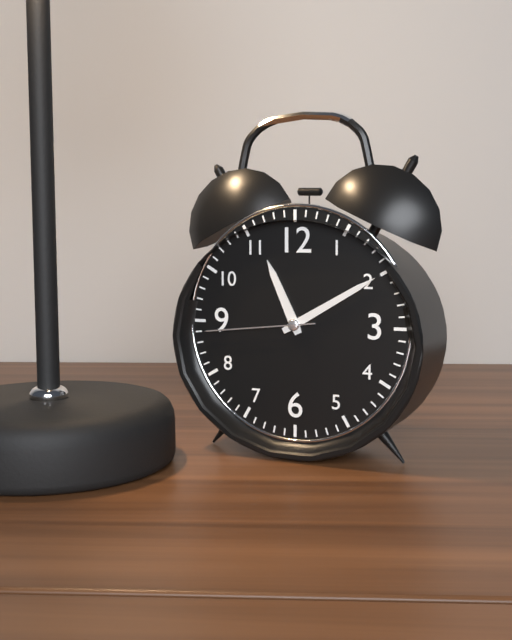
11,10,44
